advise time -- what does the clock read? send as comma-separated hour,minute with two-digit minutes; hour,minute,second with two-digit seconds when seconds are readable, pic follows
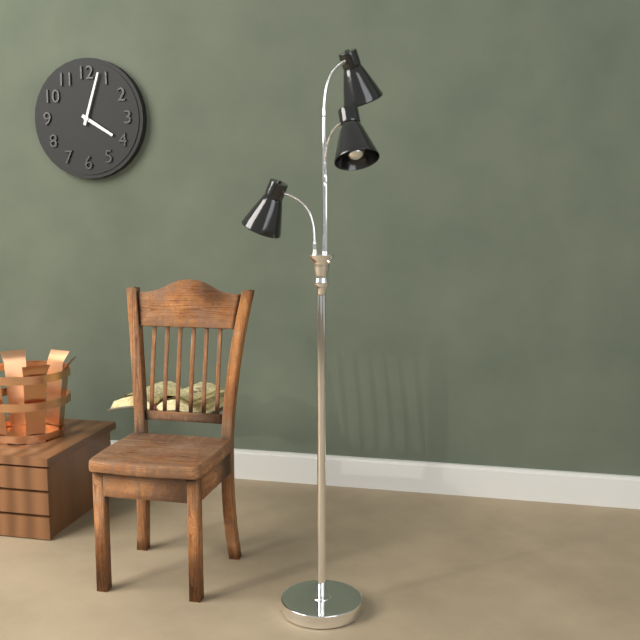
4,03
